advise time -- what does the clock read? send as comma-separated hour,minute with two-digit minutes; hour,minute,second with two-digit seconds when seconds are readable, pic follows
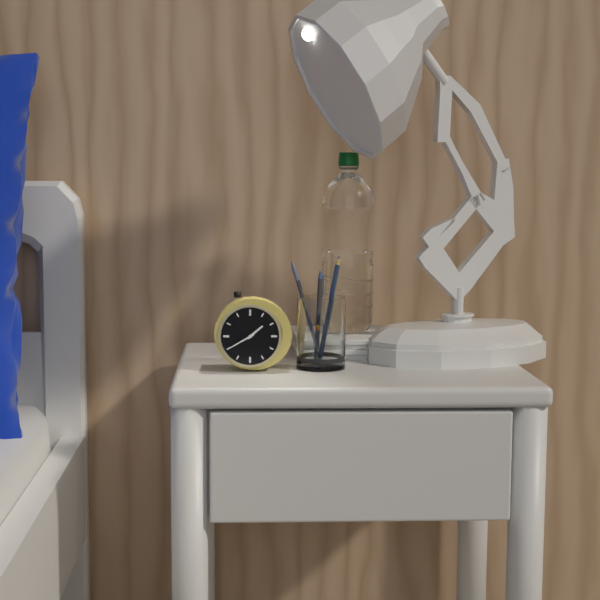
1,40
